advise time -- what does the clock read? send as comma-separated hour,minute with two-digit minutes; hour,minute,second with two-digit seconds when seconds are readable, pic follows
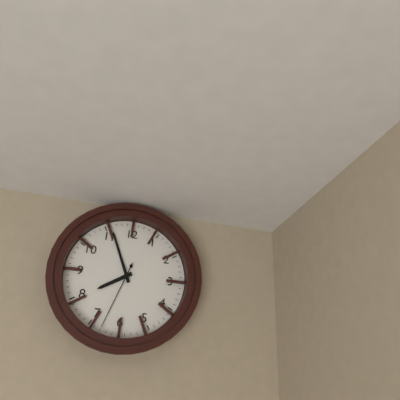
7,56,33
